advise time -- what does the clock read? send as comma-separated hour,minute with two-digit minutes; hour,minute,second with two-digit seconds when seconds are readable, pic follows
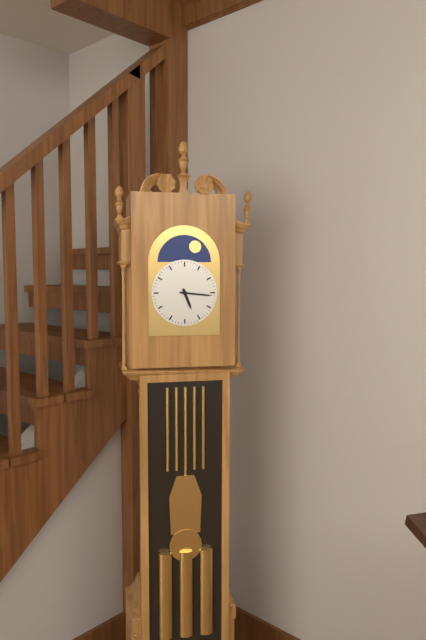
5,16
